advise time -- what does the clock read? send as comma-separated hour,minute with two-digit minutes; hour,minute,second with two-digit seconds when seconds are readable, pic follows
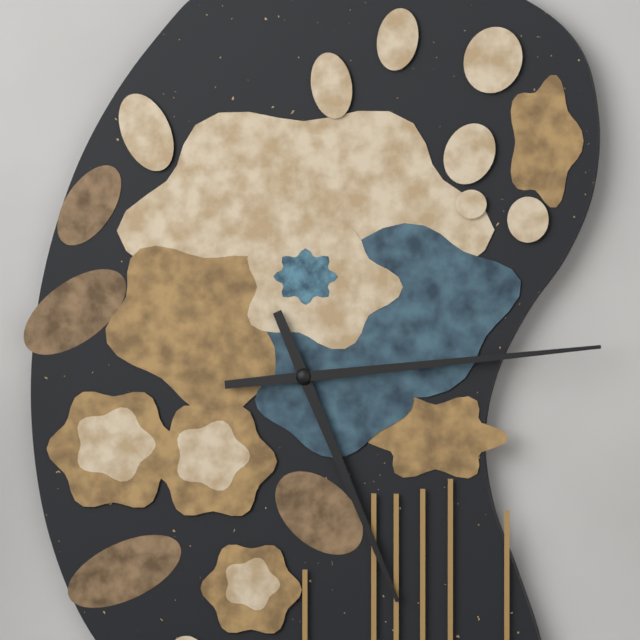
5,14
